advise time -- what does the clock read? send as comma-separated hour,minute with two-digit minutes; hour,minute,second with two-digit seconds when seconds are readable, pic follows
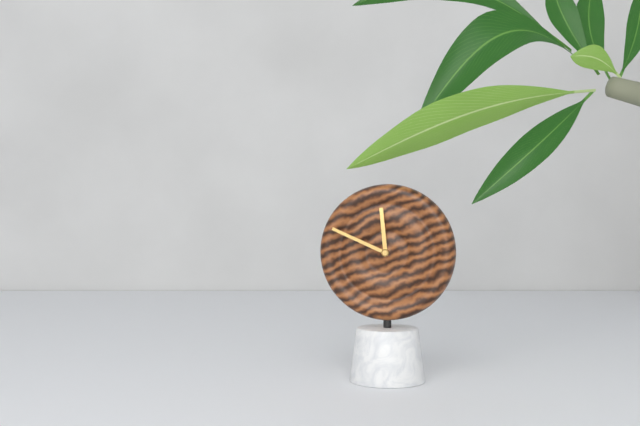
11,49
